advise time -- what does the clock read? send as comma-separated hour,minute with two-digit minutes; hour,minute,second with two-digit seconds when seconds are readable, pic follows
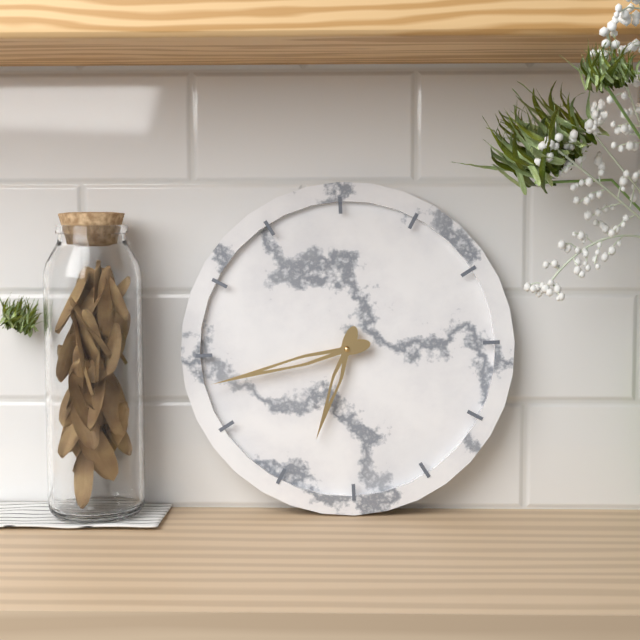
6,43
